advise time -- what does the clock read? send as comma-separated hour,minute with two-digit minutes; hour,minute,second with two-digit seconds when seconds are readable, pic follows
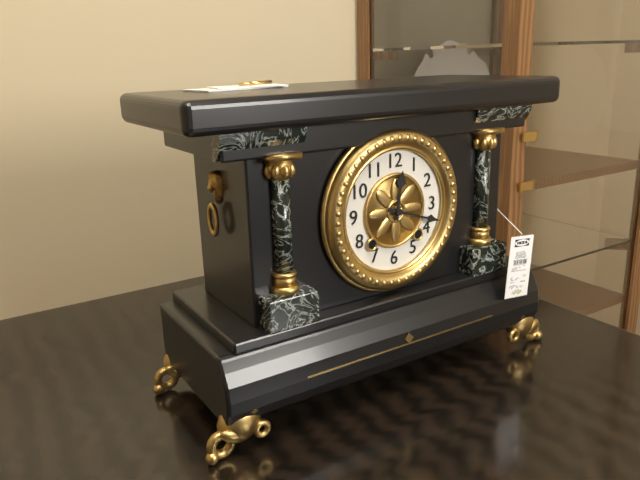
12,18
